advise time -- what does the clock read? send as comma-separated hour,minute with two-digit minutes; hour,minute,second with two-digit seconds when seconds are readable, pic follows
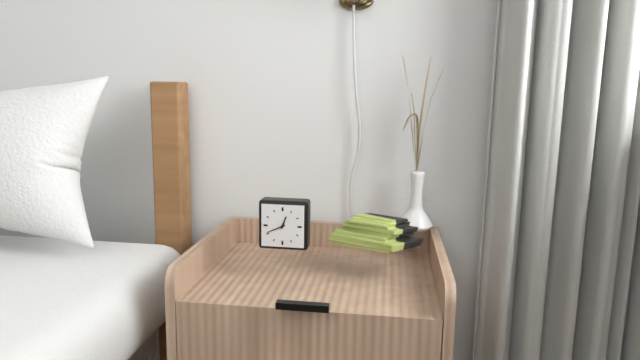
12,41
